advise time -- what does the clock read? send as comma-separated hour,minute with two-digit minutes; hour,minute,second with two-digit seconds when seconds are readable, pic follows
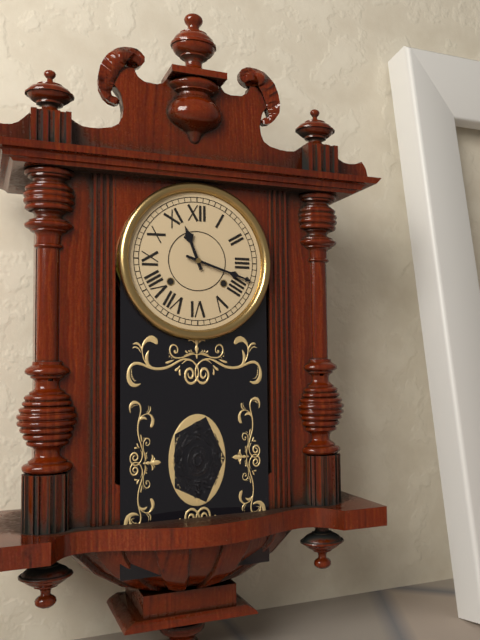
11,18
